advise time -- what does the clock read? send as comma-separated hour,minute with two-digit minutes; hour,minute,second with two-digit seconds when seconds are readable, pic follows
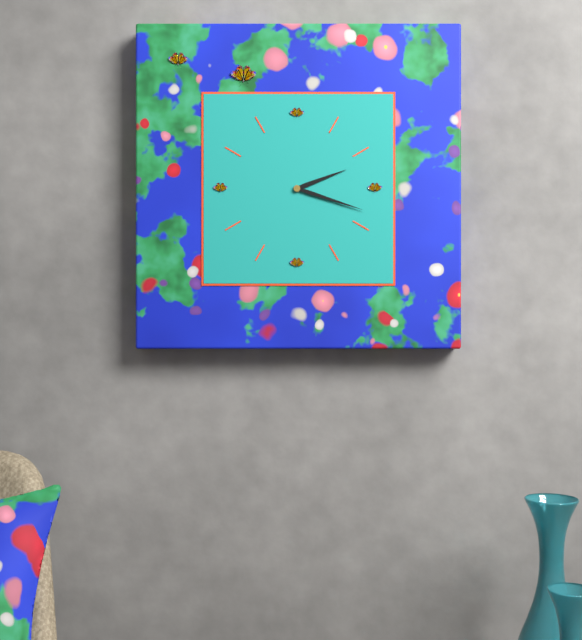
2,18
